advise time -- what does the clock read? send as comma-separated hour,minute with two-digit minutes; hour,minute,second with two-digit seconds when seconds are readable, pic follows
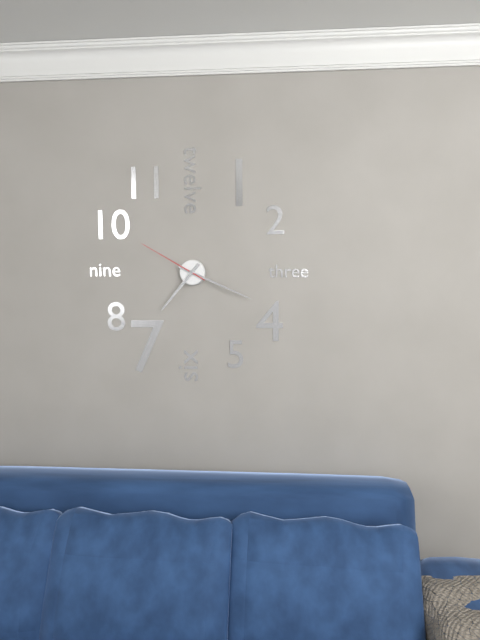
7,19,50
